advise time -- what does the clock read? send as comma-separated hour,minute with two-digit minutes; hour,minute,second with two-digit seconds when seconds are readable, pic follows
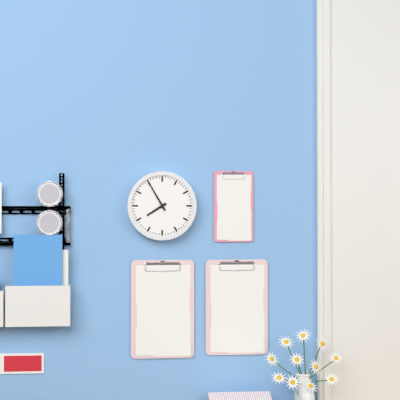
7,55
